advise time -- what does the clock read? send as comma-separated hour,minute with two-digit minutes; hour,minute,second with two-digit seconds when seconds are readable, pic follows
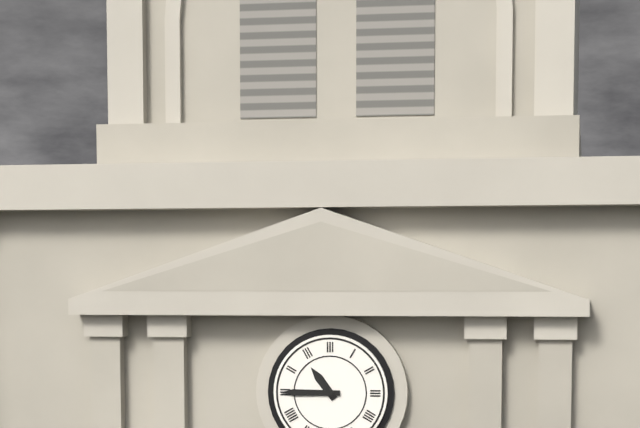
10,45
